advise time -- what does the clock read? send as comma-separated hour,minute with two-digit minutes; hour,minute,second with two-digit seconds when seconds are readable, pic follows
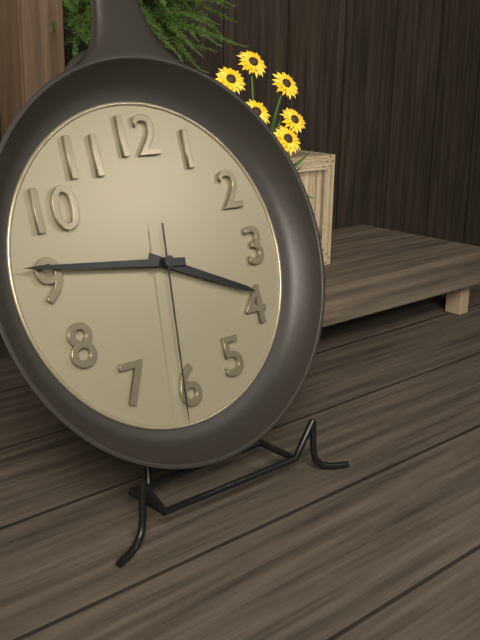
3,46,31
